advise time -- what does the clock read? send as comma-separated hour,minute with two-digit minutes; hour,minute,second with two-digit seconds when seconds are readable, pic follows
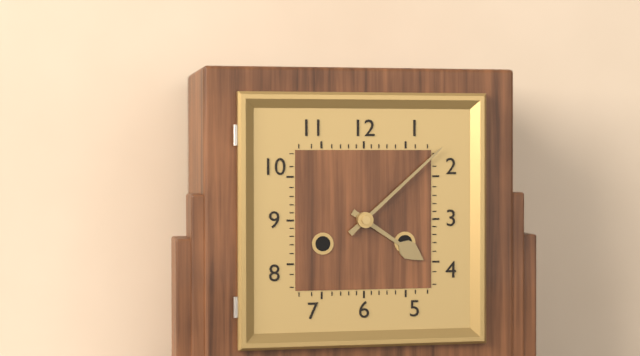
4,08
